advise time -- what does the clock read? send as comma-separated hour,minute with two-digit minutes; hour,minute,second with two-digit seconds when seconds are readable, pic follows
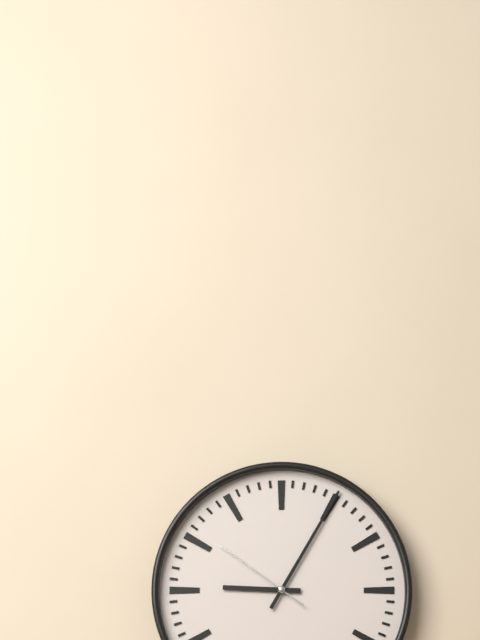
9,05,51
